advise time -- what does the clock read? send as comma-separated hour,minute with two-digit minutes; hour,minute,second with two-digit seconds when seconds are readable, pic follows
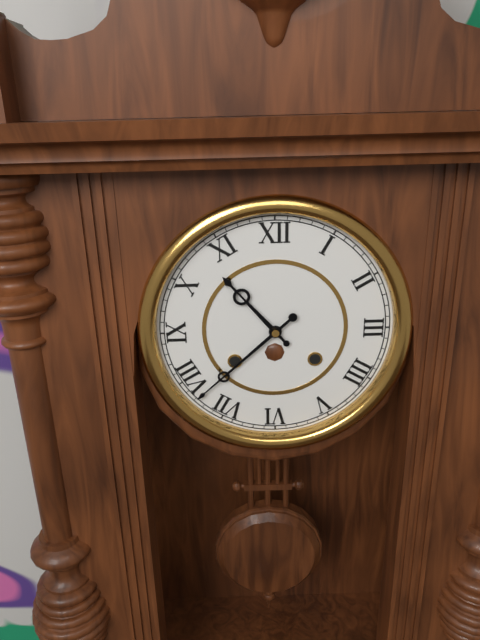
10,38
